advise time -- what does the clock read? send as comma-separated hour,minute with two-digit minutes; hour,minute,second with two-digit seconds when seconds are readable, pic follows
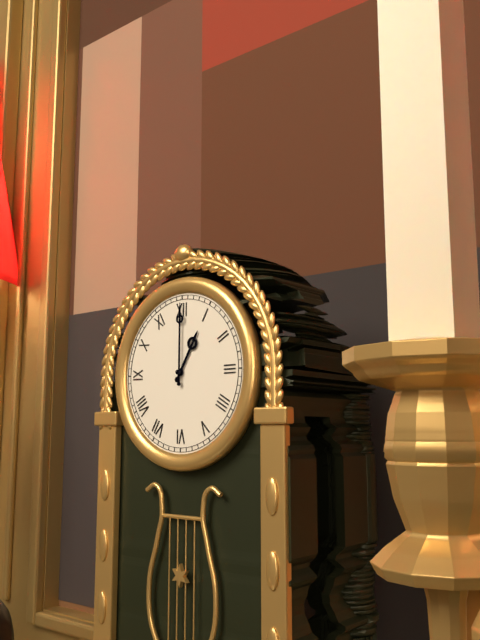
1,00
